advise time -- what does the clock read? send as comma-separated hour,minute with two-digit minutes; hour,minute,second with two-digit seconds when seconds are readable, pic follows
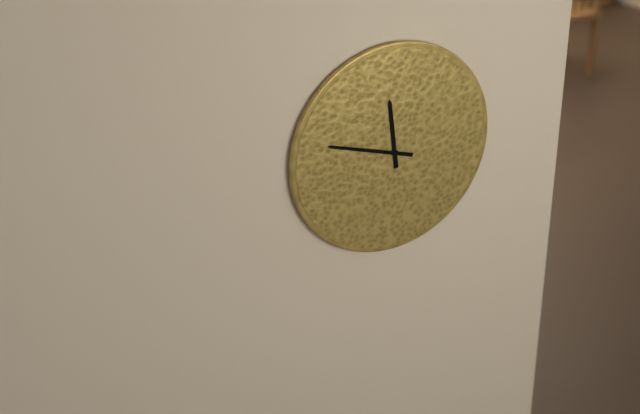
11,48
